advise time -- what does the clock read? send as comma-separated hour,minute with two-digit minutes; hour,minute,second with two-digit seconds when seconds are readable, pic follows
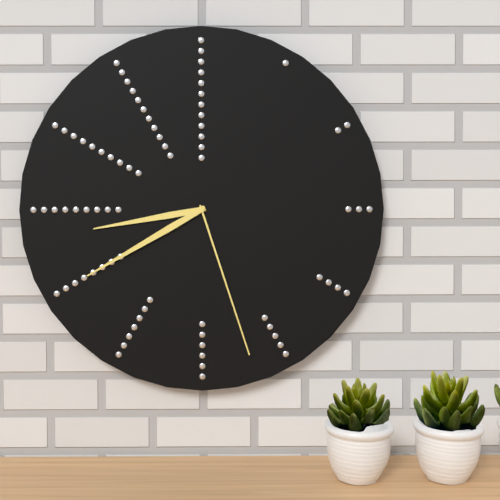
8,40,27
